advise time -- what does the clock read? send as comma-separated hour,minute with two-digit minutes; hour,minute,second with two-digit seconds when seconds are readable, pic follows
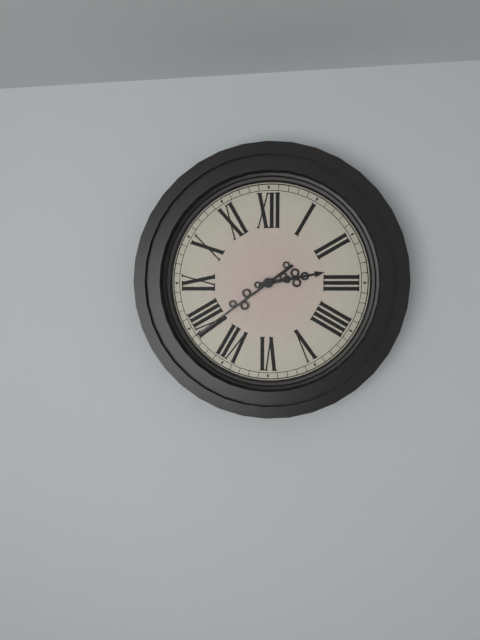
2,39
